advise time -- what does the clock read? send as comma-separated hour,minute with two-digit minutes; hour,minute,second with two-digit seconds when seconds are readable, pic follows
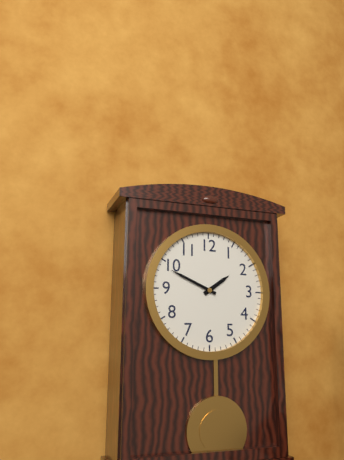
1,49
